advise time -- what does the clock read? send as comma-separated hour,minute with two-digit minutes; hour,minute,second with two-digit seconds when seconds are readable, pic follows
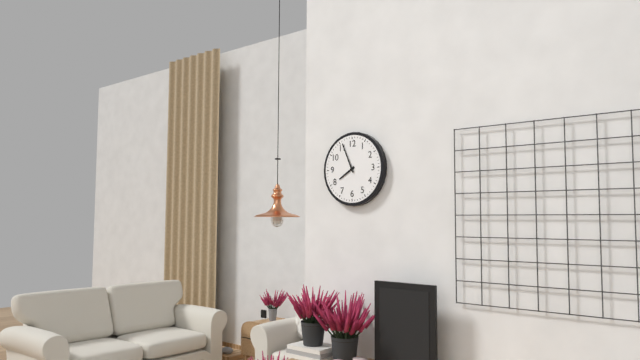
7,56
